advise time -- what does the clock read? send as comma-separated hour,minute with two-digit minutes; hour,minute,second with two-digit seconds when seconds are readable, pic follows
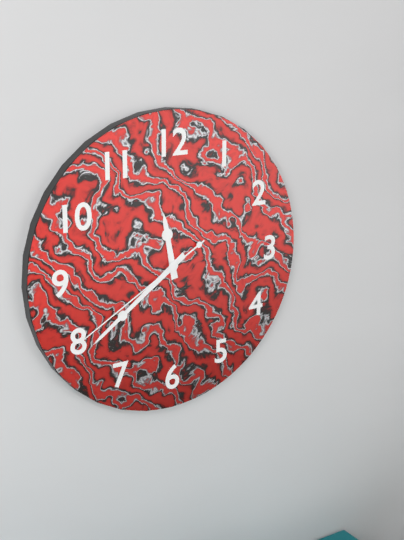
11,39,40
